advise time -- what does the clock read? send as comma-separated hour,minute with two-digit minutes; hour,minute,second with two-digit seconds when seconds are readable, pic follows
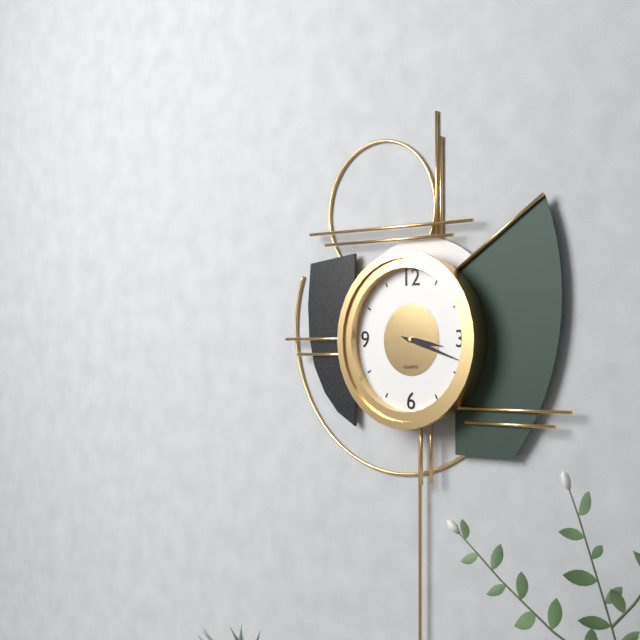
3,18
